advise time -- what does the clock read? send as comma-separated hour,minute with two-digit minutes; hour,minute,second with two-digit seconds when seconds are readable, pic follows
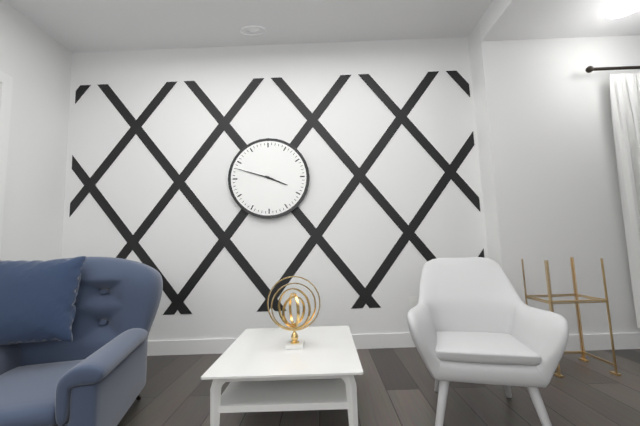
3,48
